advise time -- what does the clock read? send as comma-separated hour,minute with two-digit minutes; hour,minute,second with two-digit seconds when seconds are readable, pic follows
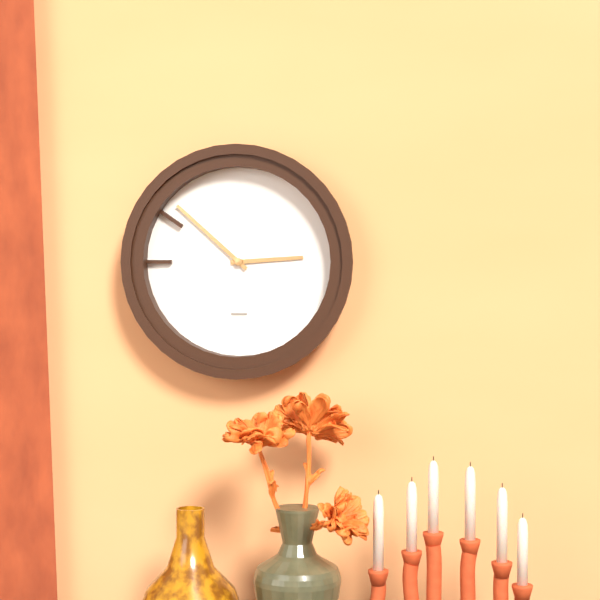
2,52
